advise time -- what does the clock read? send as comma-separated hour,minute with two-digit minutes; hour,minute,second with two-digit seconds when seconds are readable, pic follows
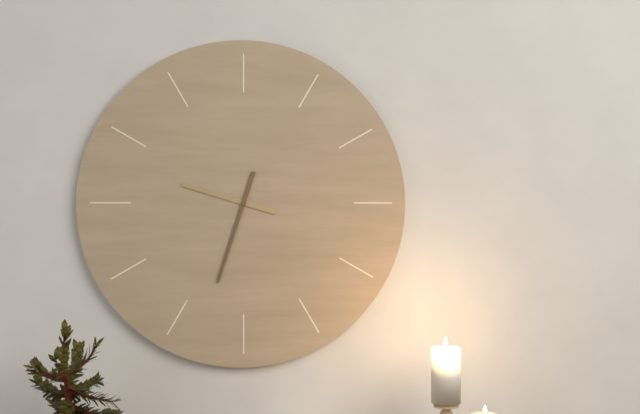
9,33
